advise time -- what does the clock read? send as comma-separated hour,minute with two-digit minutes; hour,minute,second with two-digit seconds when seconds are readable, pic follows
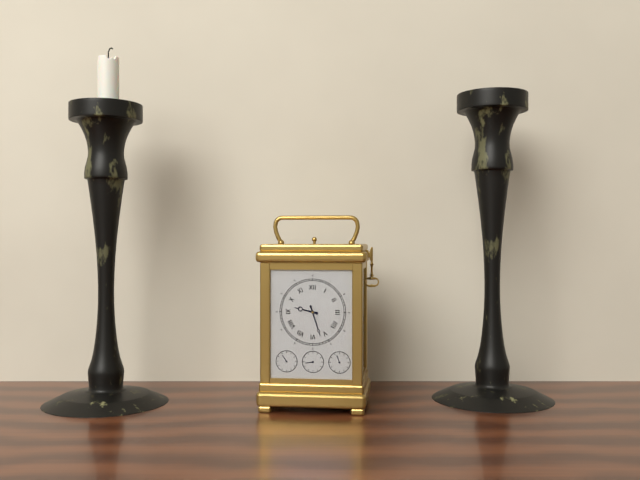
9,27
